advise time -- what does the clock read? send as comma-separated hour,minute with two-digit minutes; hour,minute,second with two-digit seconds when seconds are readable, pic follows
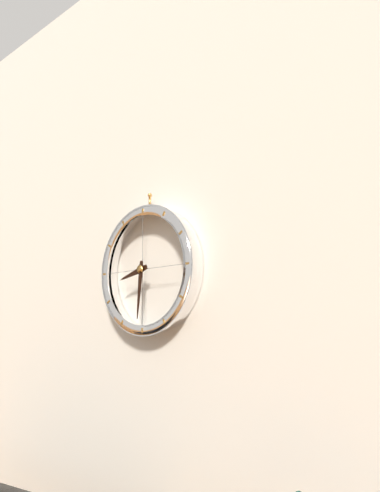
8,31
